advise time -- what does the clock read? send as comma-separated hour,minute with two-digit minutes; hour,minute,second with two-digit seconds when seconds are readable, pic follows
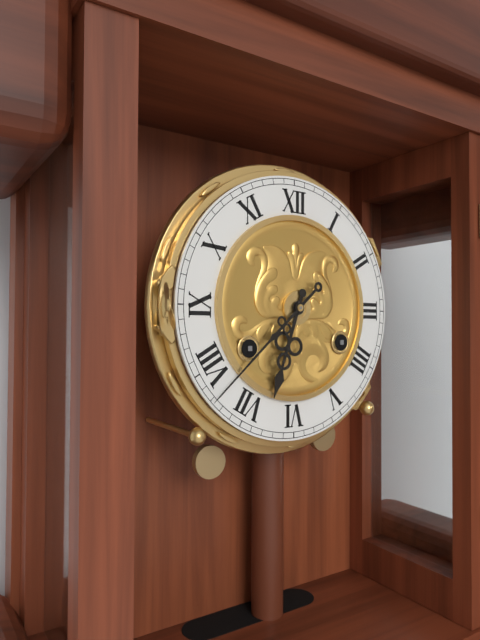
6,38
